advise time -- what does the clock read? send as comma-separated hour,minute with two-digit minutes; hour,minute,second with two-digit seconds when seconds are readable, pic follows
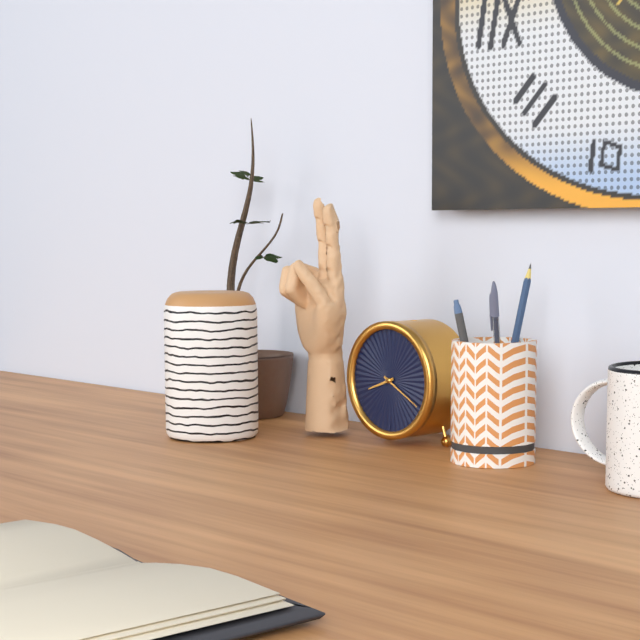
8,20
